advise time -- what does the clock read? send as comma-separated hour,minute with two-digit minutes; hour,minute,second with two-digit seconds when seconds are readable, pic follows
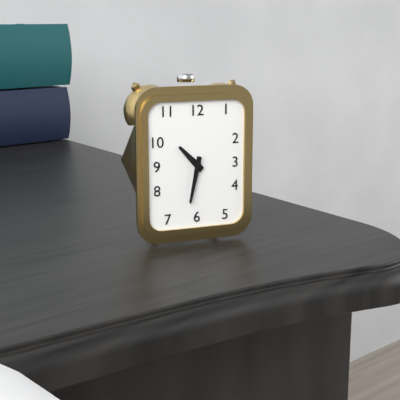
10,32
